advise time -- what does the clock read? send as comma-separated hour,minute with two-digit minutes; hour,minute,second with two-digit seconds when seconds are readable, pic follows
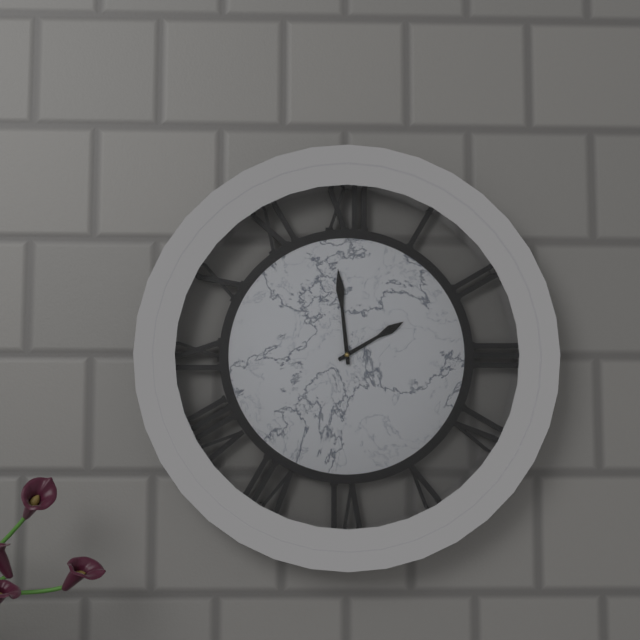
1,59
